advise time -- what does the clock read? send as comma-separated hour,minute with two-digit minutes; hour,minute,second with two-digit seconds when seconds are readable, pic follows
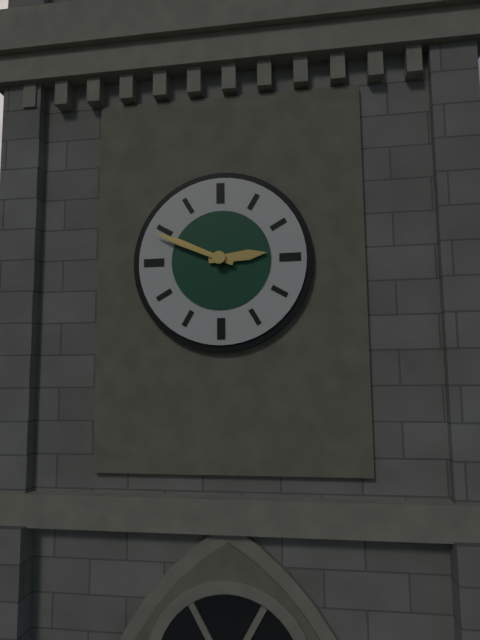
2,49
